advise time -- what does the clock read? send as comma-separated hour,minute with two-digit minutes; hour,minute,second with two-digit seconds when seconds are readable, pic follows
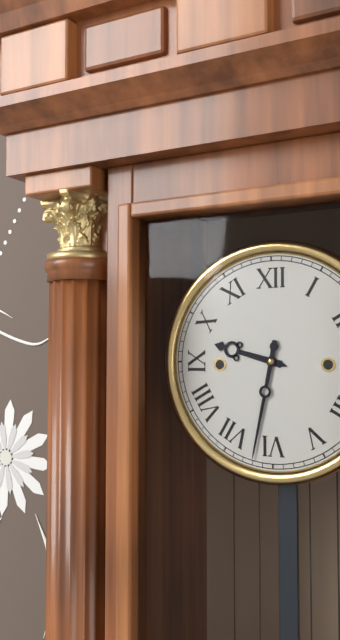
9,32
